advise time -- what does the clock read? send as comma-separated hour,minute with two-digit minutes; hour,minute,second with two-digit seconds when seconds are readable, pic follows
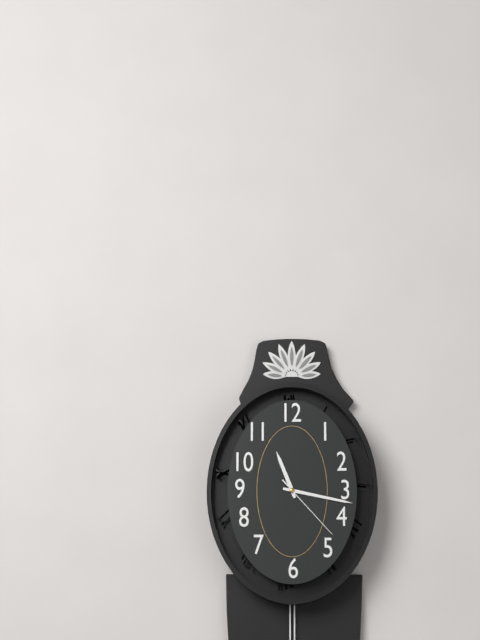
11,17,23
